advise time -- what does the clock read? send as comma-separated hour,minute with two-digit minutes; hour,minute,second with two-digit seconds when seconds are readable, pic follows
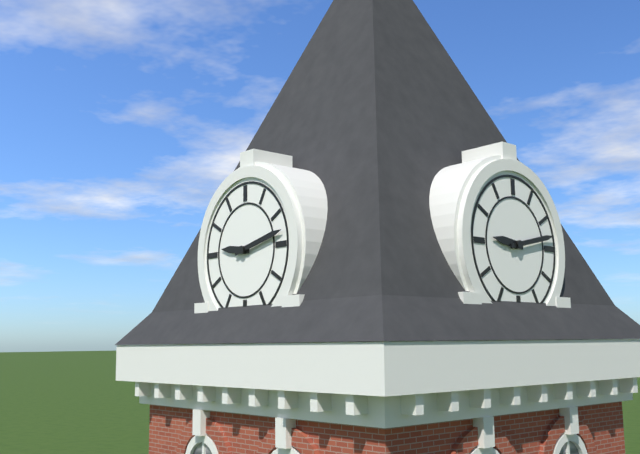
9,13
